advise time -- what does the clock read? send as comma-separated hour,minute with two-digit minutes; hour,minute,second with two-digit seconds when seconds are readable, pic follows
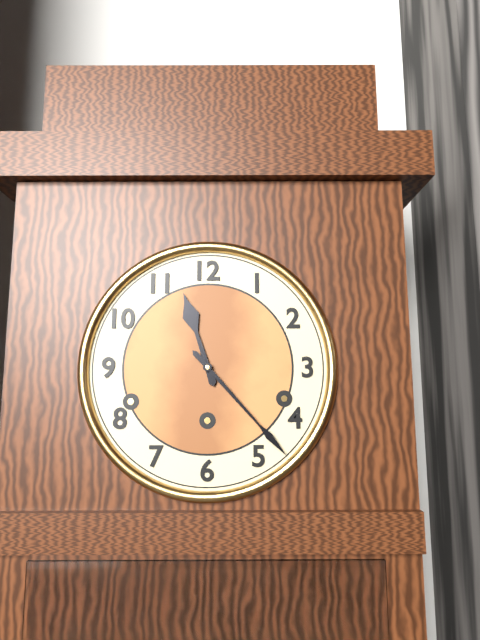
11,23
